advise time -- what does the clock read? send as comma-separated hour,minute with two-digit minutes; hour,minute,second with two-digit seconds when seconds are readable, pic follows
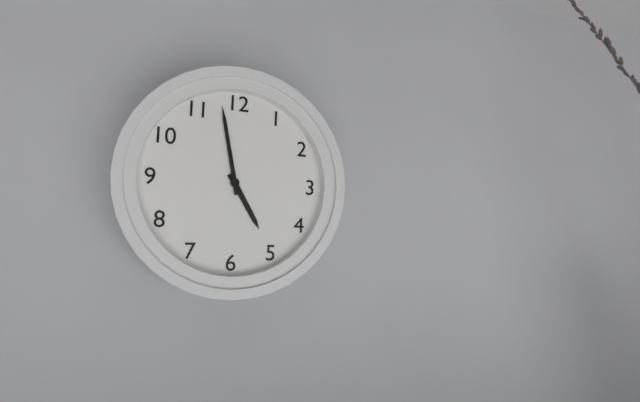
4,58
